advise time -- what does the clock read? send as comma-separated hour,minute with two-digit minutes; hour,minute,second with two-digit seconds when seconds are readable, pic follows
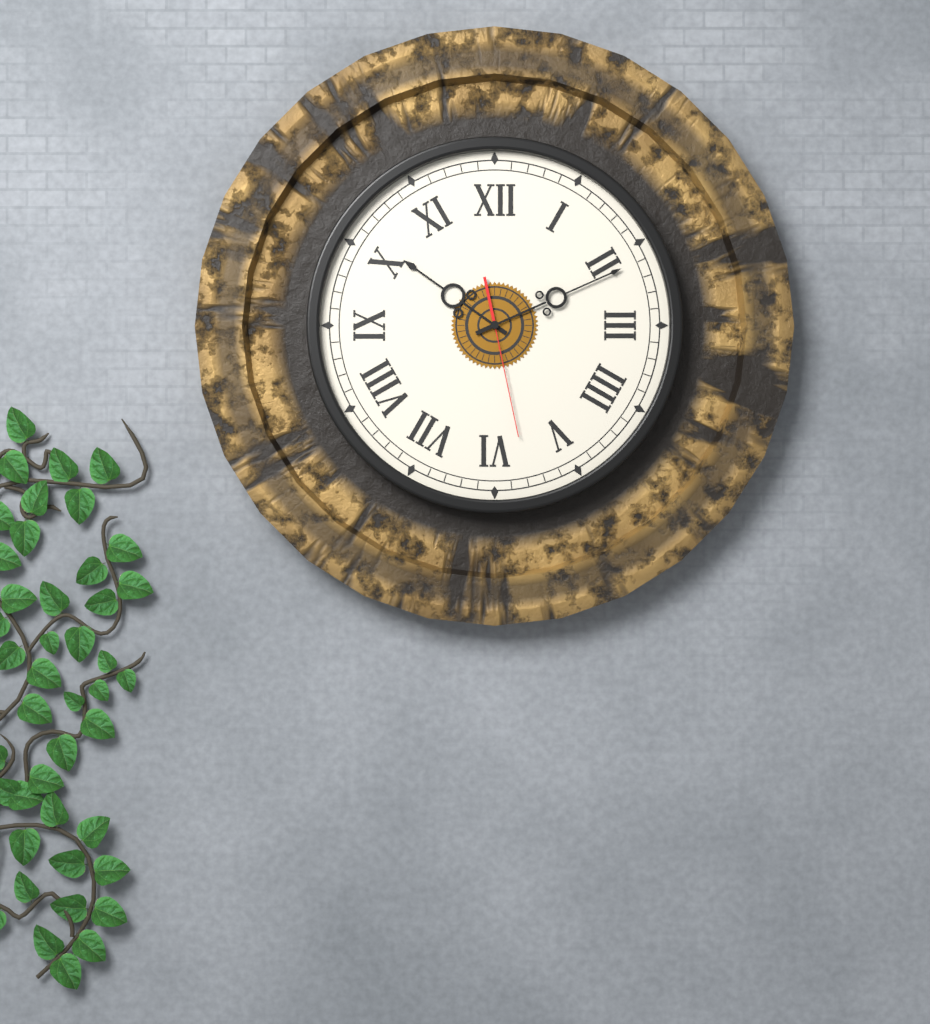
10,11,28
